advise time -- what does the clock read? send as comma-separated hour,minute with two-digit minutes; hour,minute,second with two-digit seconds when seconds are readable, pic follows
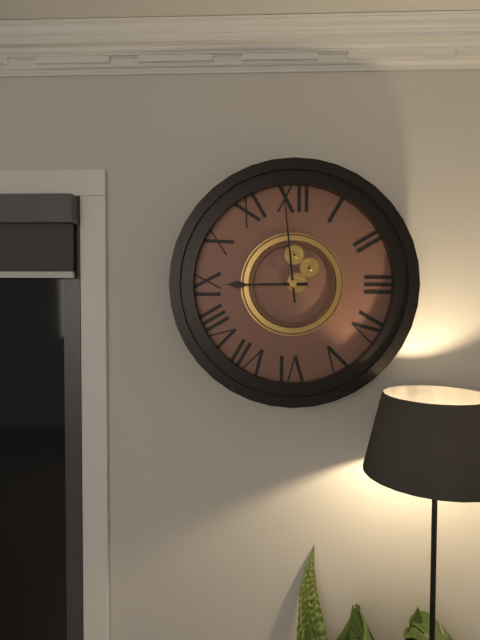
8,59
